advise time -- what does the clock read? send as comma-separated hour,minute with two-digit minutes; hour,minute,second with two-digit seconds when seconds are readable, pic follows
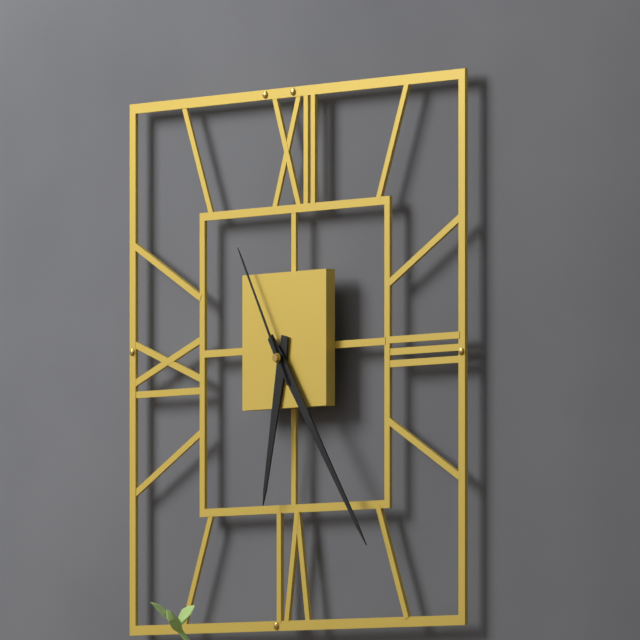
6,24,55
